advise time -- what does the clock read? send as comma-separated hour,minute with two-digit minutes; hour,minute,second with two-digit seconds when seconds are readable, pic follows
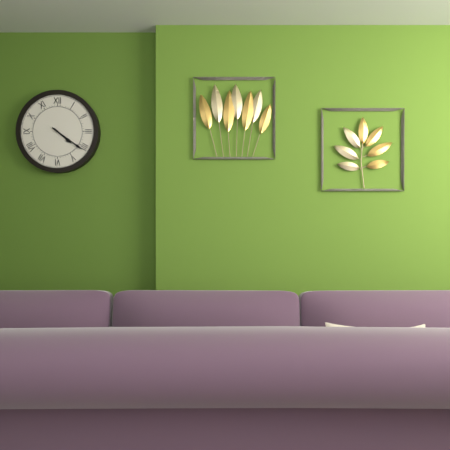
4,21
